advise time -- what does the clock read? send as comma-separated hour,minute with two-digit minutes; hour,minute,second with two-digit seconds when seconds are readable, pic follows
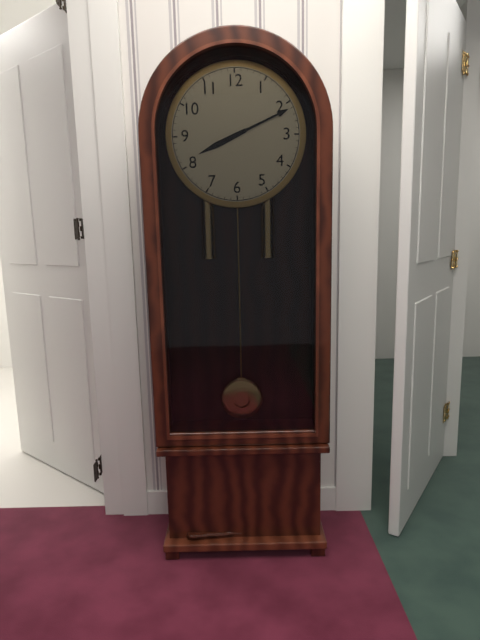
8,11
